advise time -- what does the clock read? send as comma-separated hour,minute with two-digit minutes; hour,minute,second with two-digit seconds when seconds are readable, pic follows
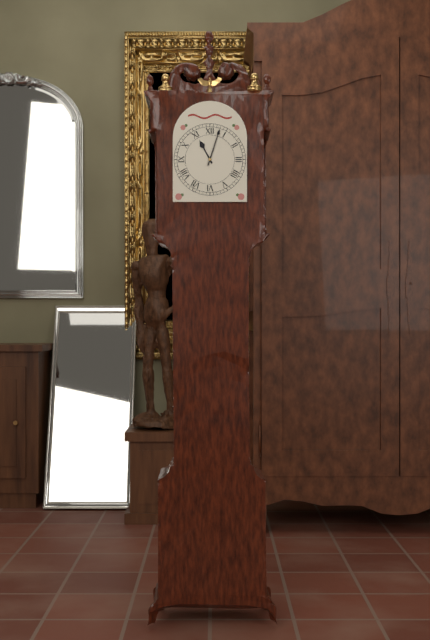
11,03
